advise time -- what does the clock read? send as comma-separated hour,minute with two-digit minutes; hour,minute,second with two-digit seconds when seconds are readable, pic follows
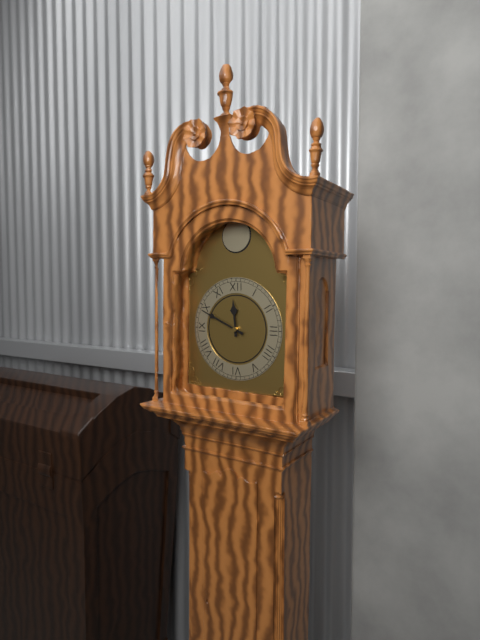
11,49
